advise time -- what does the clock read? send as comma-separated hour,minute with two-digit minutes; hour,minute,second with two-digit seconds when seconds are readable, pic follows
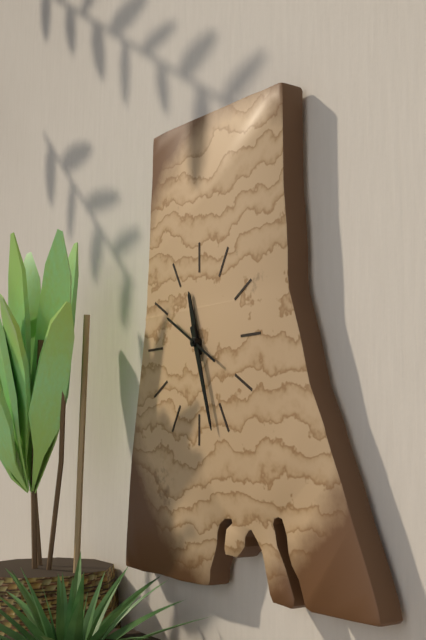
11,27,50
